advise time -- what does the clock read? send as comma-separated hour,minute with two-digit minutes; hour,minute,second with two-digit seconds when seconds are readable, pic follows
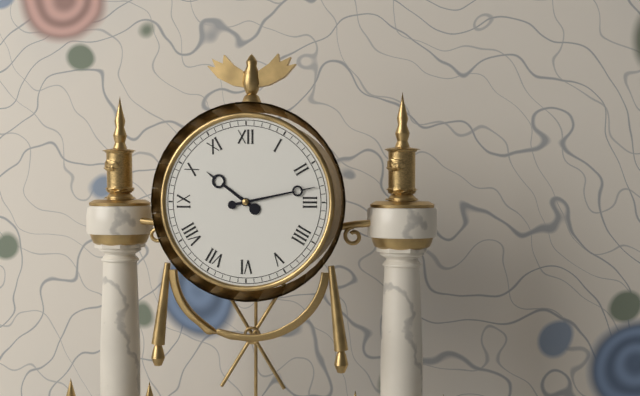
10,13
